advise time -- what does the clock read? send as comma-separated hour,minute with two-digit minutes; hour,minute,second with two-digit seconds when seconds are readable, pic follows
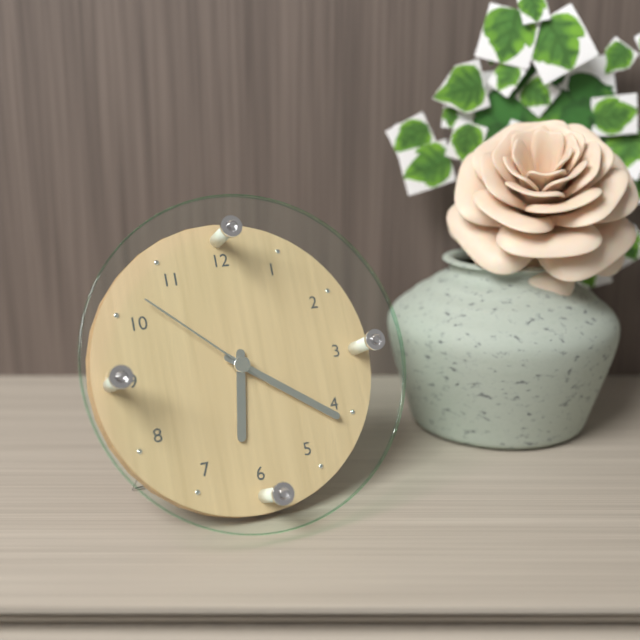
6,21,52
